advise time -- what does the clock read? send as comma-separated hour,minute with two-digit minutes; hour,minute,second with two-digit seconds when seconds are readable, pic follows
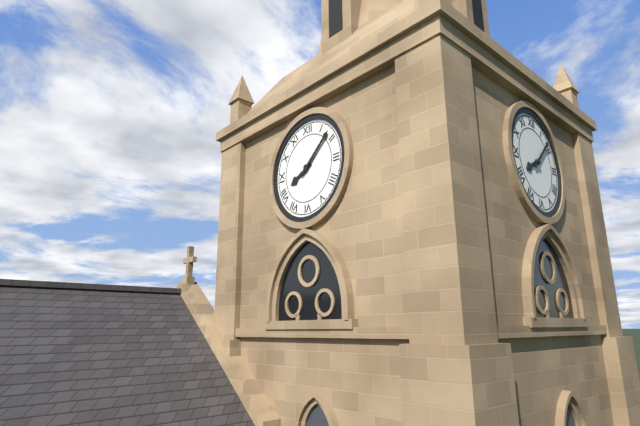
8,08
